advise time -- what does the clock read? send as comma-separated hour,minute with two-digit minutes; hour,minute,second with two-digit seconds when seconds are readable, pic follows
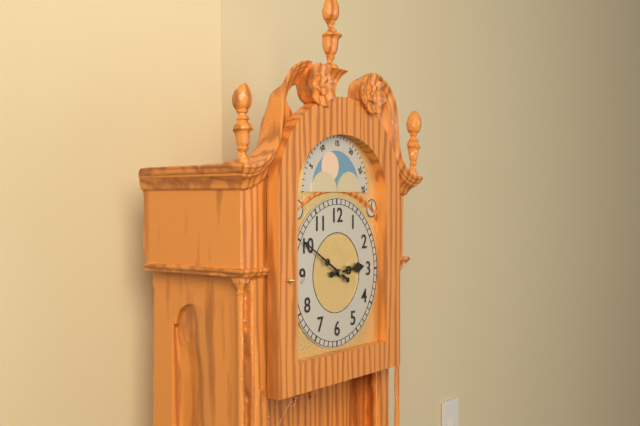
2,50
